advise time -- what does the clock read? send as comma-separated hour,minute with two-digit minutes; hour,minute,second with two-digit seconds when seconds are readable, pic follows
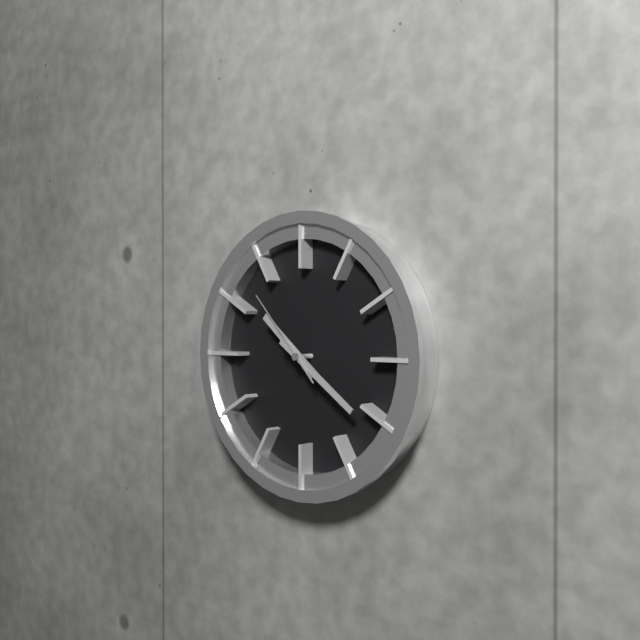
10,21,53
